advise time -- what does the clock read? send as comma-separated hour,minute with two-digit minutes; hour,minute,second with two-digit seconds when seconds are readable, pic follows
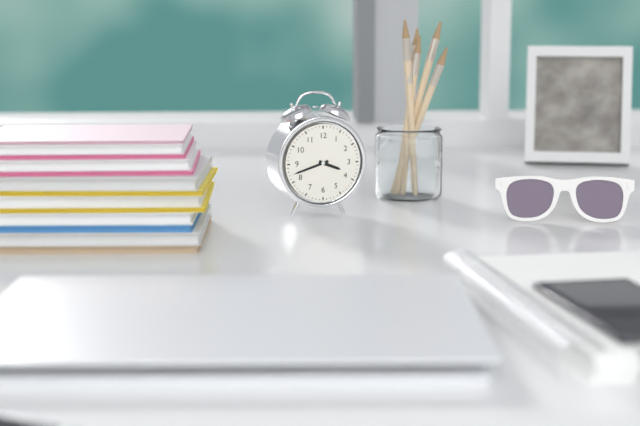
3,42
